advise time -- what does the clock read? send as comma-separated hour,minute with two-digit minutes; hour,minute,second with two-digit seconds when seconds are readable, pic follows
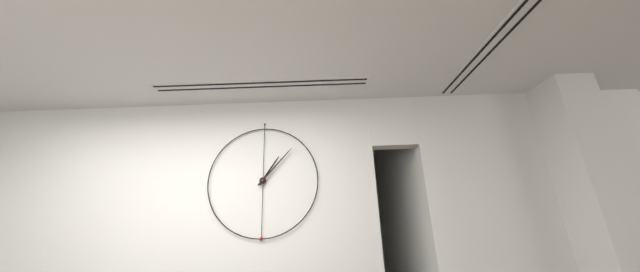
1,07
